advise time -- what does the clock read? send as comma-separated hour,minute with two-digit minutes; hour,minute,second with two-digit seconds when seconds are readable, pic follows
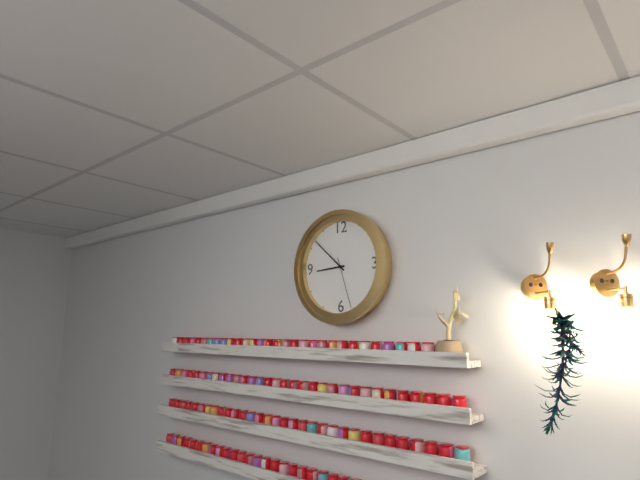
8,52,27
